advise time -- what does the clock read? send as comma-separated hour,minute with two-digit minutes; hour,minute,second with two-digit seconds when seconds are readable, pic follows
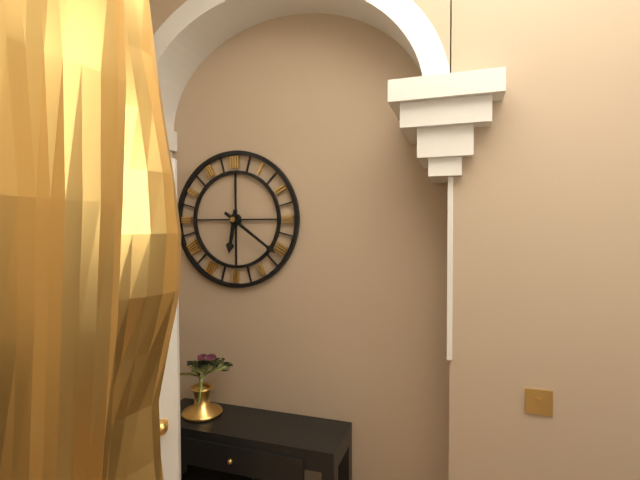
6,21
